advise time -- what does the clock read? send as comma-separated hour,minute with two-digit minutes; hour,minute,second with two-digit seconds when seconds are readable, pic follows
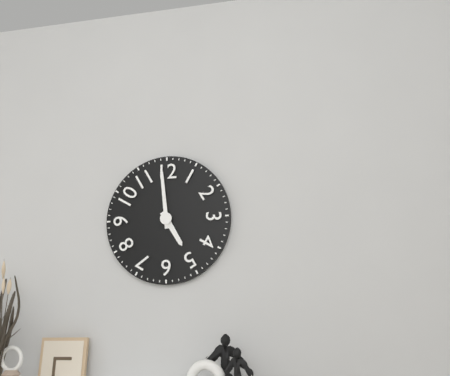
4,59
